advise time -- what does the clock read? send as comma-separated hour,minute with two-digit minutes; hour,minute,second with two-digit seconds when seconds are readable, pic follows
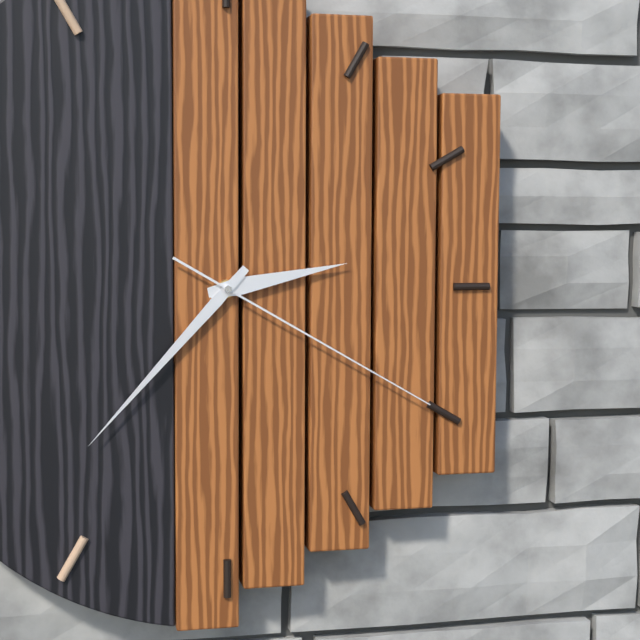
2,37,20
